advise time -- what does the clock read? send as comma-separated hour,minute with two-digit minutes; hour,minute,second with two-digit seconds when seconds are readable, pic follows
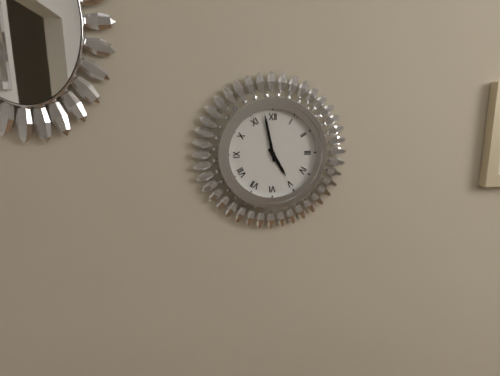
4,58
